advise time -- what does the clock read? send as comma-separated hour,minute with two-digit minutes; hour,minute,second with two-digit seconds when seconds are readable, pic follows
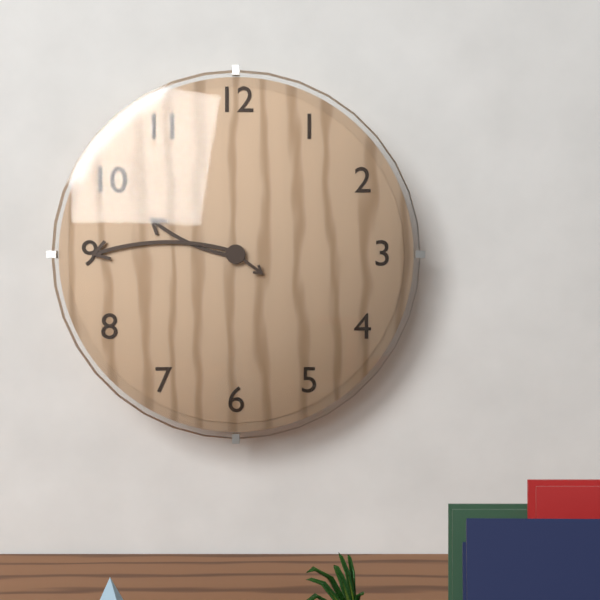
9,45
